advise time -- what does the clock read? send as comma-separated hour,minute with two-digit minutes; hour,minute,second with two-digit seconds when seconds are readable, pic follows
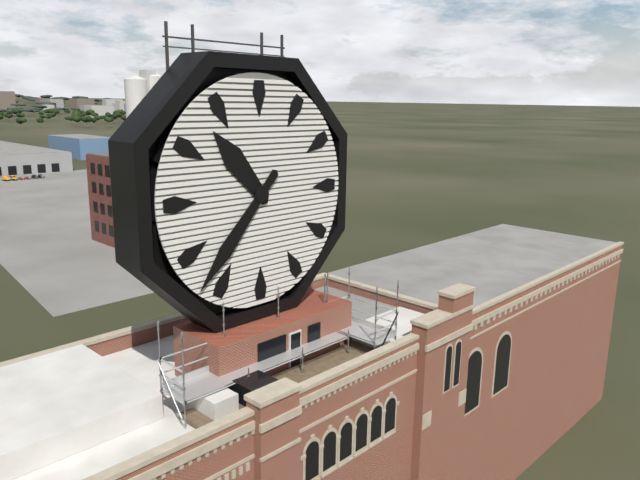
10,37
